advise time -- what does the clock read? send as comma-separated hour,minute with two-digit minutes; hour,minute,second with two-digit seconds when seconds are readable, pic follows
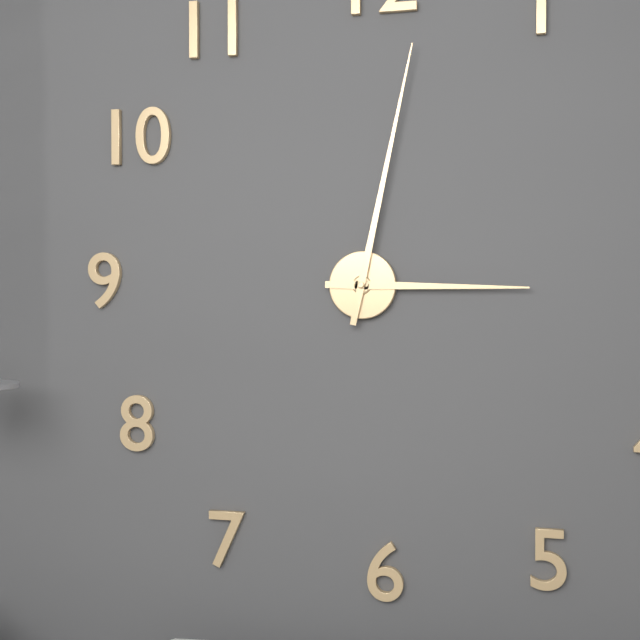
3,02
